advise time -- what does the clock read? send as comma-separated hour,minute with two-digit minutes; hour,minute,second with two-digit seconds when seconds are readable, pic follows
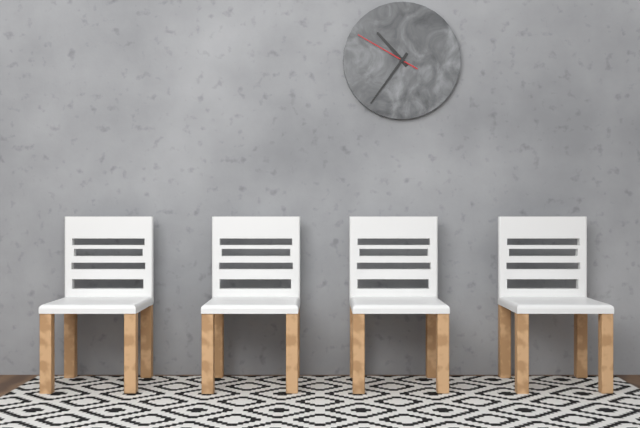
10,36,50
